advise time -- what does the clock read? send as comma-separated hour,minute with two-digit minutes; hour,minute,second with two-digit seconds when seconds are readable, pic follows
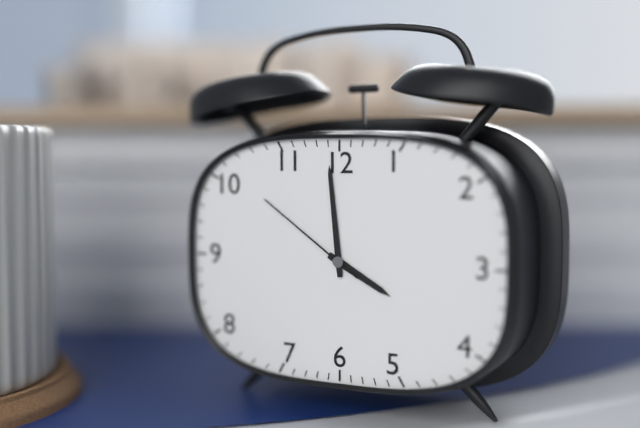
3,59,51
